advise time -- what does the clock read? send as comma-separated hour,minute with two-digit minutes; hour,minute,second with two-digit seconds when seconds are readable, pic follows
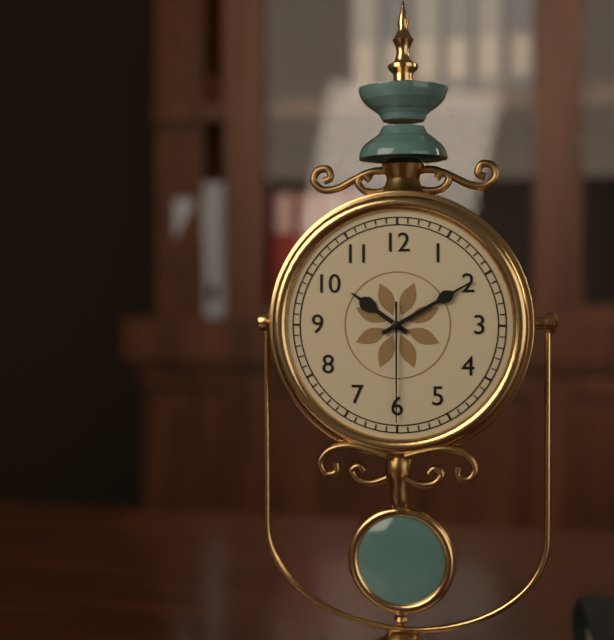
10,10,30
